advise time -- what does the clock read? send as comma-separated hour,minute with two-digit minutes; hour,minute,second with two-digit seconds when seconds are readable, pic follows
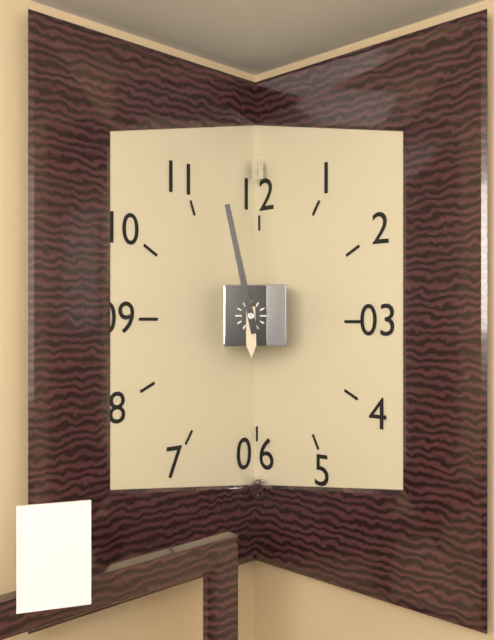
5,58
